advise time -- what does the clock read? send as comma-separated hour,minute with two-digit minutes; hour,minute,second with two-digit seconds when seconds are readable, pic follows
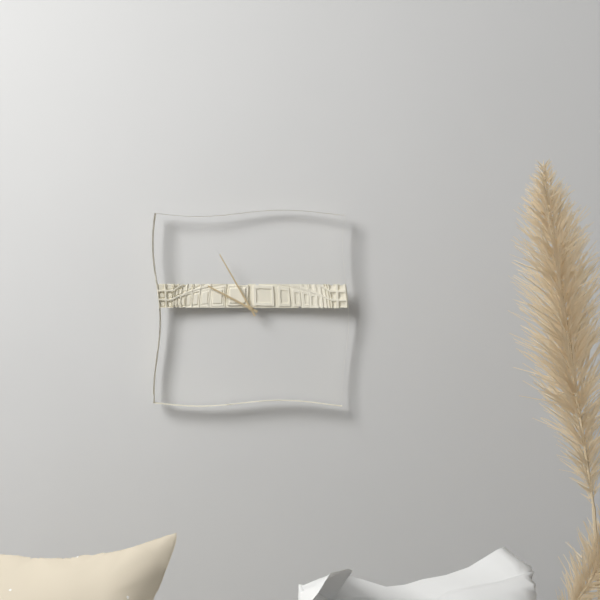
9,55
